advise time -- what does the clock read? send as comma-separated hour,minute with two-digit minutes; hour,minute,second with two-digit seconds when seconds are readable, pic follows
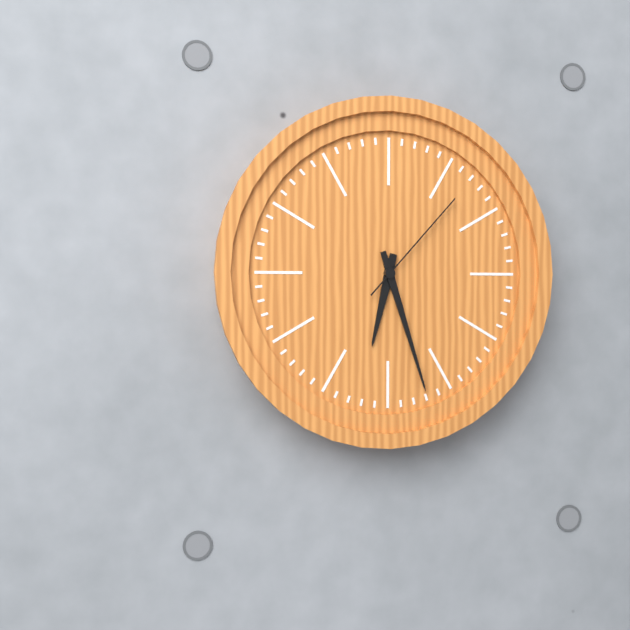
6,27,07
